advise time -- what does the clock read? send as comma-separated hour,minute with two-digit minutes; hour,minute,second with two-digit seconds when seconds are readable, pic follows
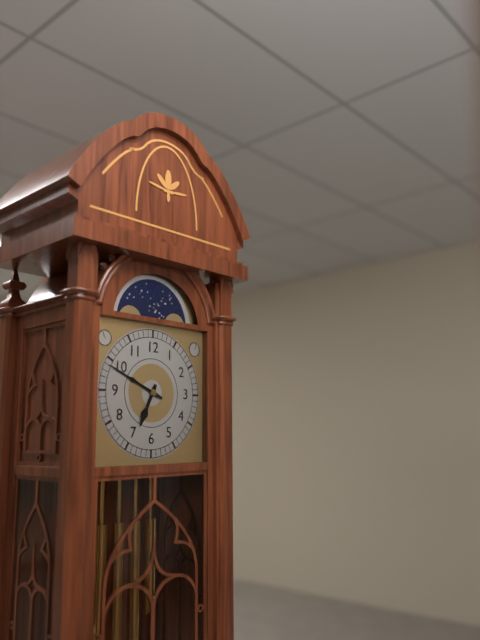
6,49
